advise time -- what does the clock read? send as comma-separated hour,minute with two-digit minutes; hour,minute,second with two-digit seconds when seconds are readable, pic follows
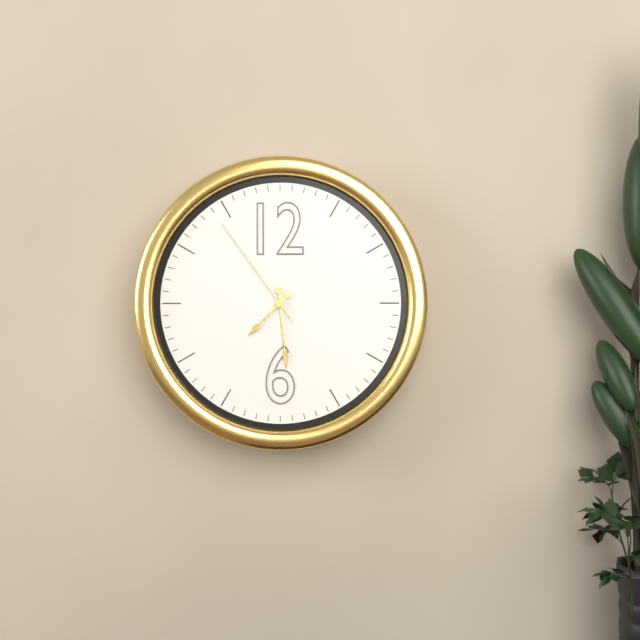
7,29,54
